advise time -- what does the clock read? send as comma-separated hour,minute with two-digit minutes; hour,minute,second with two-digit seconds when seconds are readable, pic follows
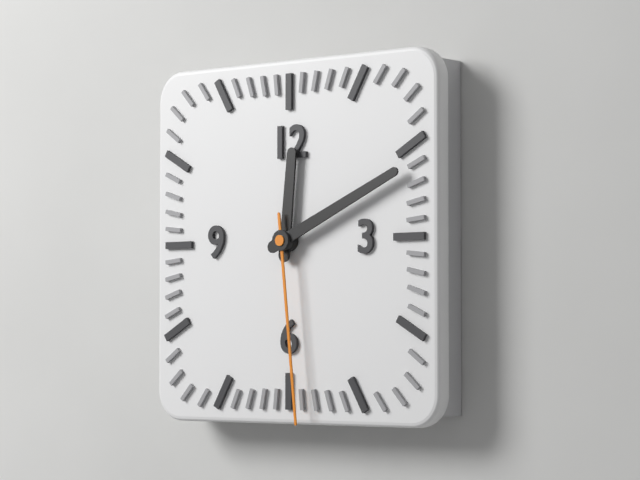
12,11,29
